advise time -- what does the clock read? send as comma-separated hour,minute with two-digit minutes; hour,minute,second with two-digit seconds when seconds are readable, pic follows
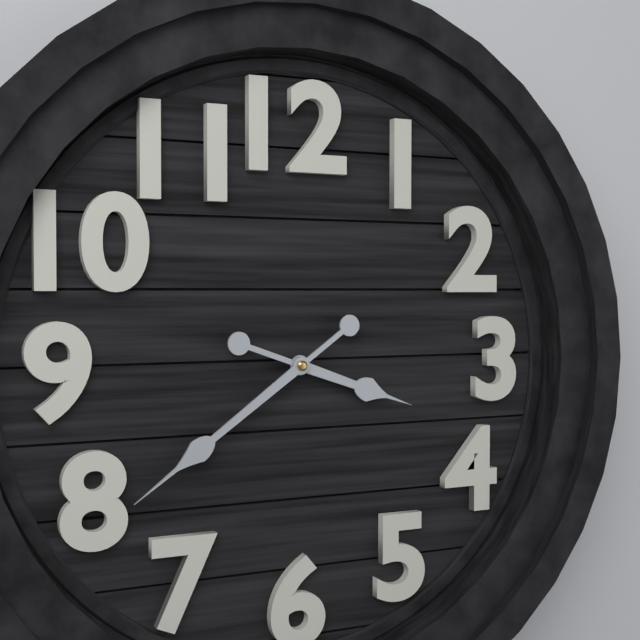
3,39
